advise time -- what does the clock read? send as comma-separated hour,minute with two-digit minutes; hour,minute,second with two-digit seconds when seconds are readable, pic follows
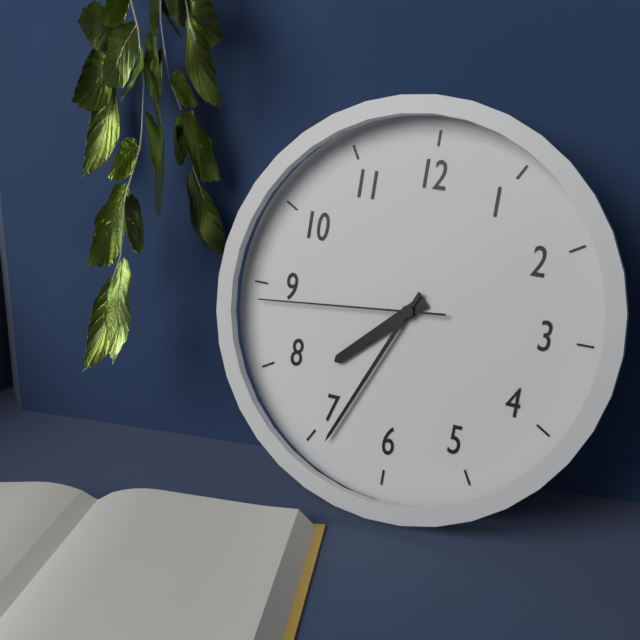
7,34,44
